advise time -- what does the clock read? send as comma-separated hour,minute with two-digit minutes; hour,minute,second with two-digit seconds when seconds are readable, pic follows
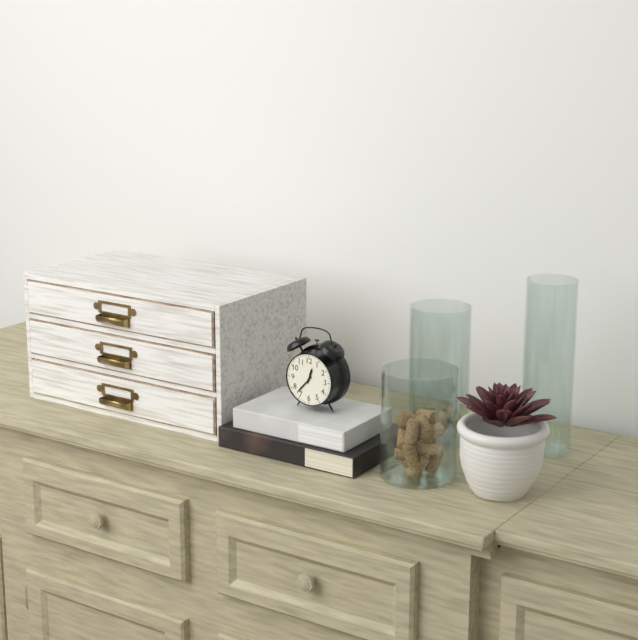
12,37
